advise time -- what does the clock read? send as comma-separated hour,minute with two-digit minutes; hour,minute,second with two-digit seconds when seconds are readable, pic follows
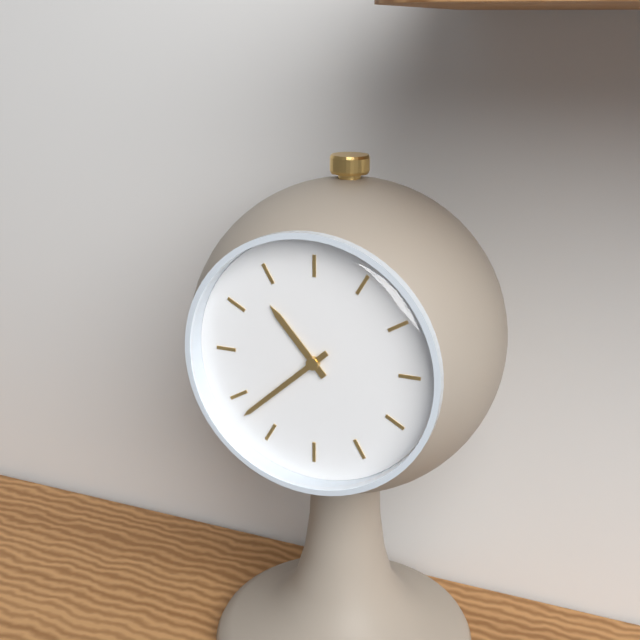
10,38
